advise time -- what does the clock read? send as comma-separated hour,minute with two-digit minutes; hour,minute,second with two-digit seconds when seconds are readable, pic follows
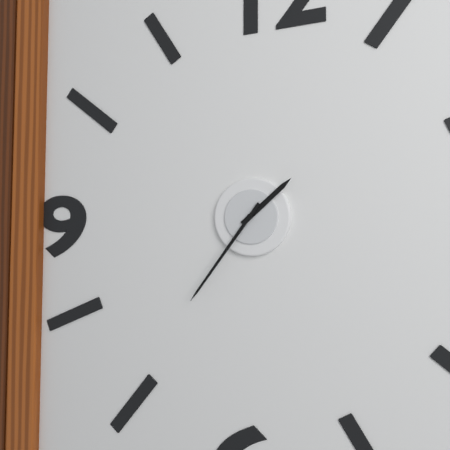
1,36
